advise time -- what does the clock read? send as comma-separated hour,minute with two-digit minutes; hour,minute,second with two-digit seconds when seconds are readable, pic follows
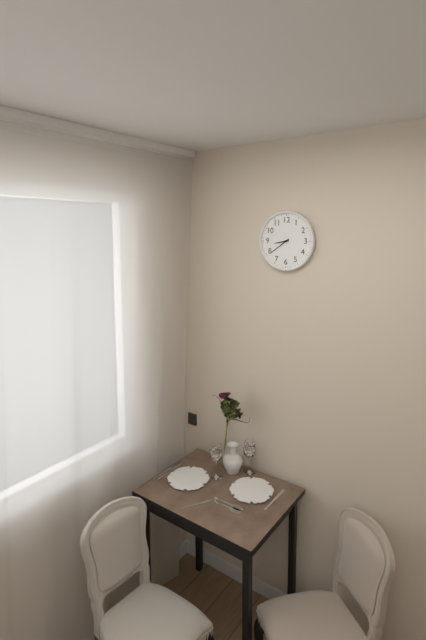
8,39
